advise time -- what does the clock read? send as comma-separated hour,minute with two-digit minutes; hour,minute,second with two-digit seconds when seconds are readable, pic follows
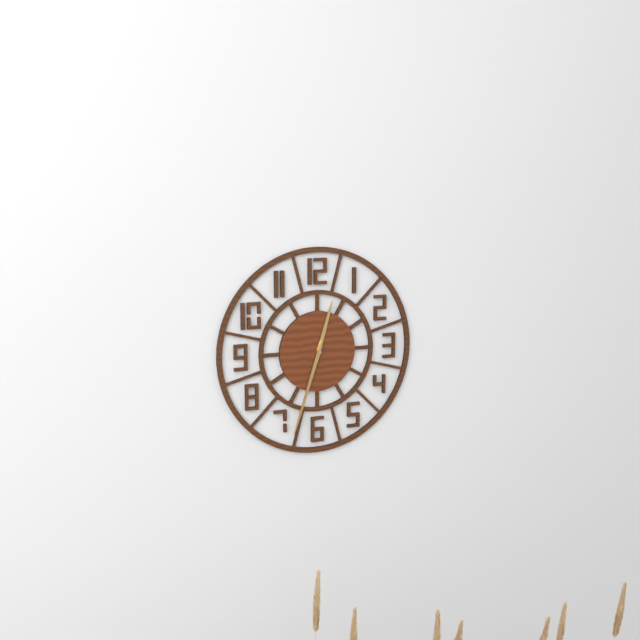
12,33
